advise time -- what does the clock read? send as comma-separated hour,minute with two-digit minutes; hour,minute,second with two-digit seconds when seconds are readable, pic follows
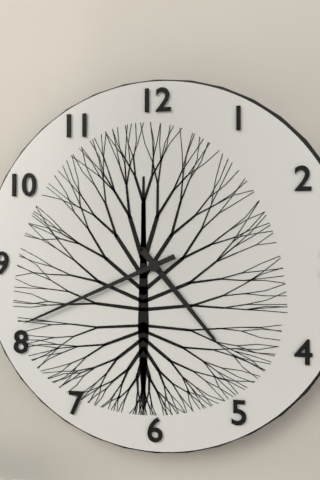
4,41
